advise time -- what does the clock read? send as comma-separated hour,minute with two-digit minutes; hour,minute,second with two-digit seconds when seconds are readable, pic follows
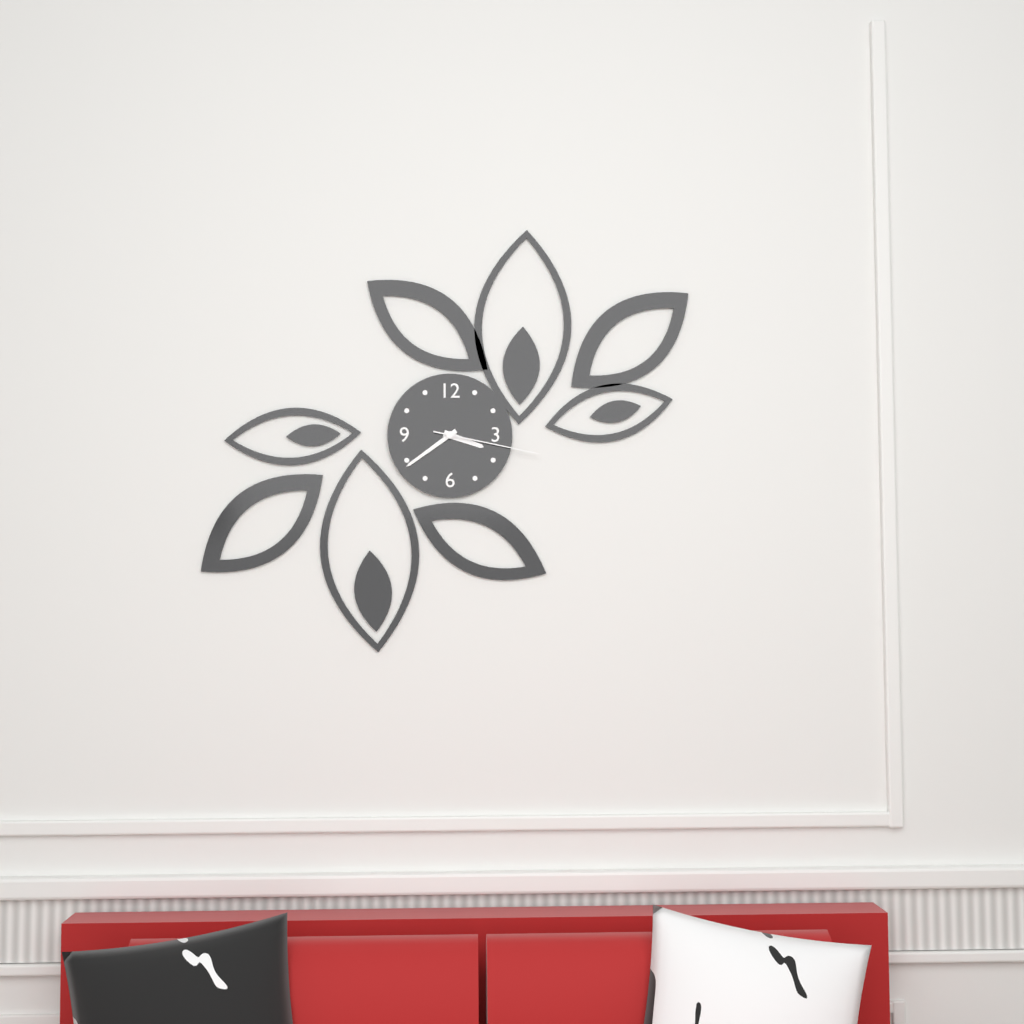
3,39,17
